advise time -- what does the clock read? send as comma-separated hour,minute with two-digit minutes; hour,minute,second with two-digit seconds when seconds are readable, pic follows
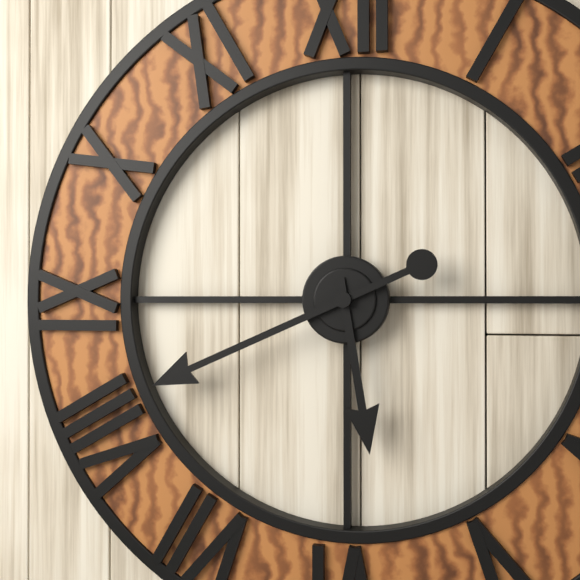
5,41
